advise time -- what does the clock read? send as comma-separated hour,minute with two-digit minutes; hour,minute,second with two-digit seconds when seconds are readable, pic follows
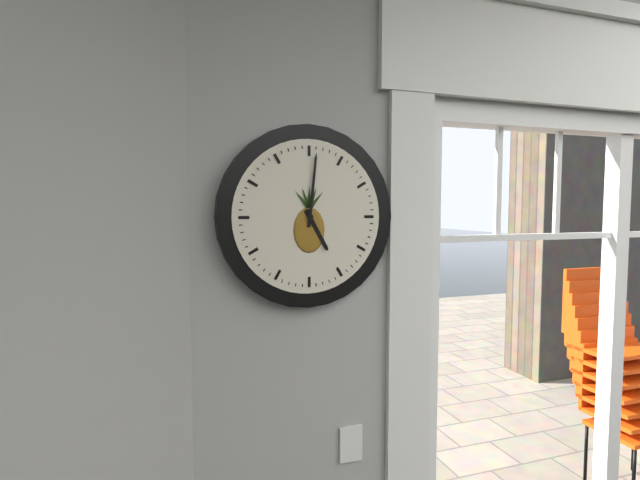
5,01
